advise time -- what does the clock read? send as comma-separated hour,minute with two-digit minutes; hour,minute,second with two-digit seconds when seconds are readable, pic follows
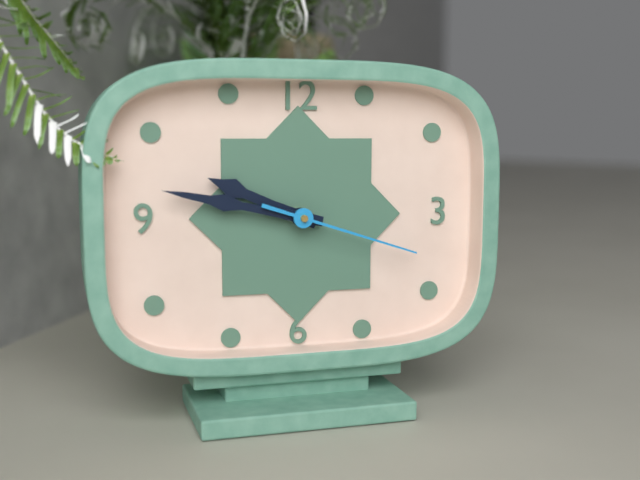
9,47,18
